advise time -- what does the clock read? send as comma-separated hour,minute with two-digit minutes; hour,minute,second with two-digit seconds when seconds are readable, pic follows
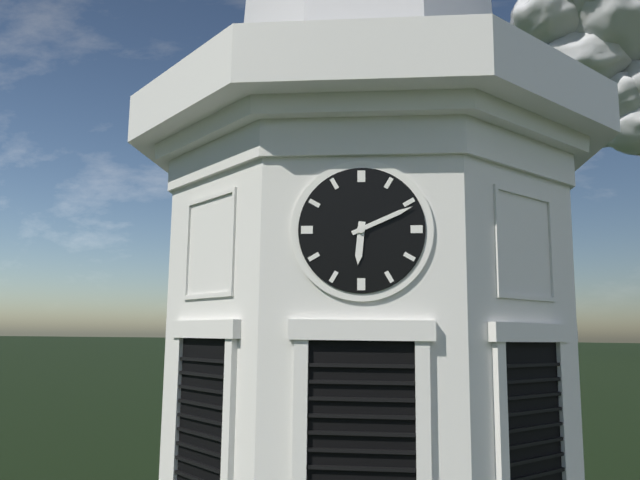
6,11
